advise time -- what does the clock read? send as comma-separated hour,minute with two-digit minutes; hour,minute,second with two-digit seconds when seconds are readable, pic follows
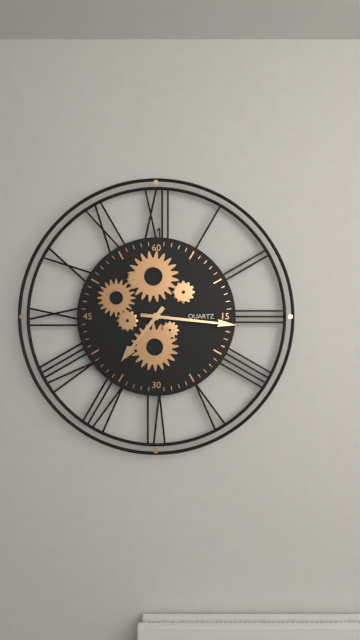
7,16
